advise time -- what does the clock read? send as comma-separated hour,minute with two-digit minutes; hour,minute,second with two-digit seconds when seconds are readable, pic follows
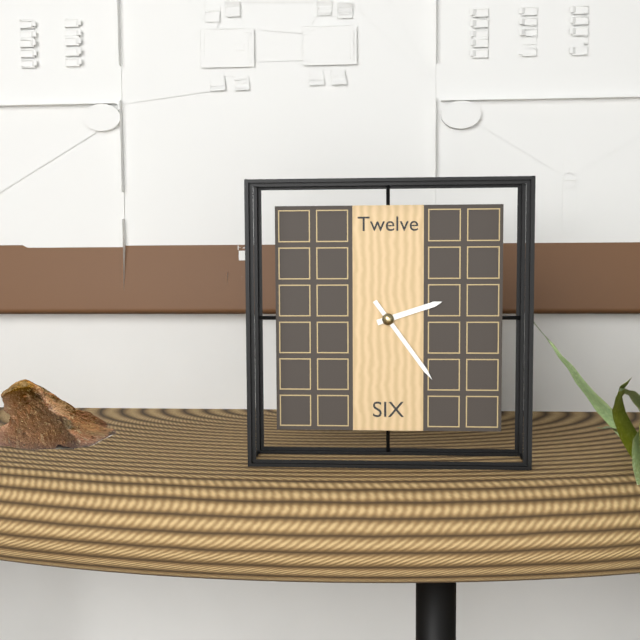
2,24
